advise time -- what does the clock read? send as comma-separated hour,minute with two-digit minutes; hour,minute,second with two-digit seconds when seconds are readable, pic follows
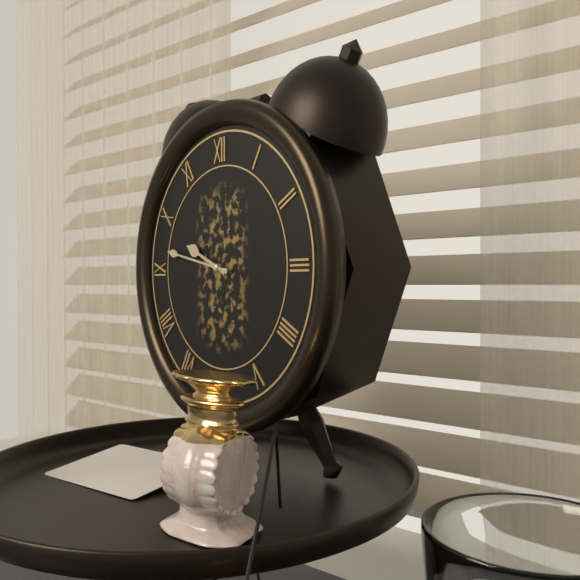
9,47
